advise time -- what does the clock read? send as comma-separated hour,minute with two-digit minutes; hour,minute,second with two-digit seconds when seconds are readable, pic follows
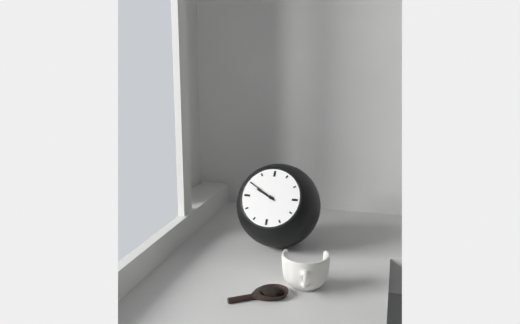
9,50
